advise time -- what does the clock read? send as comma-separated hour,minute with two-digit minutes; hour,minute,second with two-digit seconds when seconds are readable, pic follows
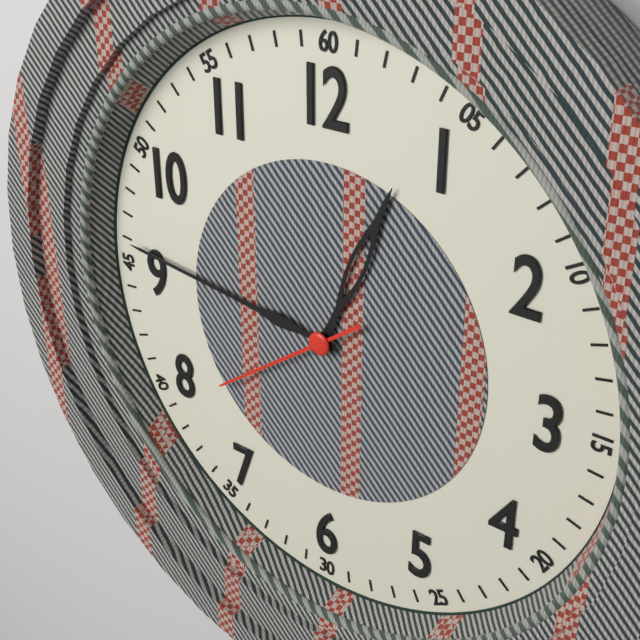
12,46,39
